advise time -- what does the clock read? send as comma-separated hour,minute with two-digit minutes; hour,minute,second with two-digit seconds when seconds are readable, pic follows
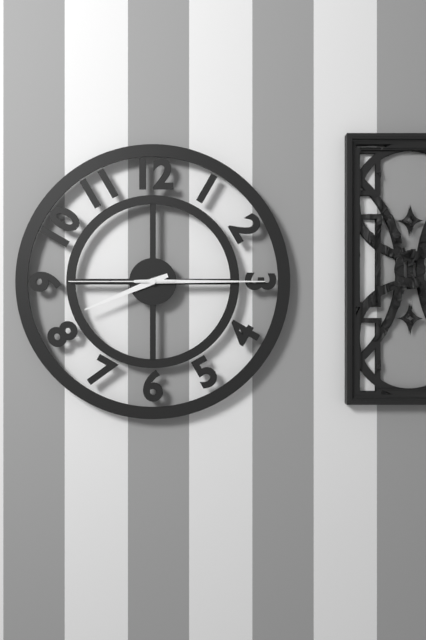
8,15,45
